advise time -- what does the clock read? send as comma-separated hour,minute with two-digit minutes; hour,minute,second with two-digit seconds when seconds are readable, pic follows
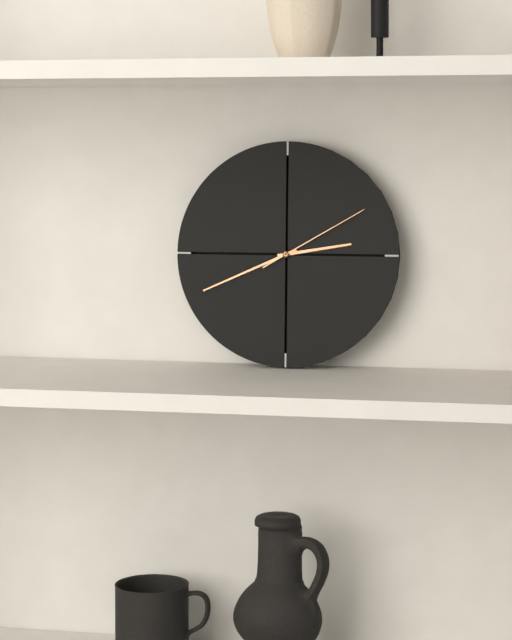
2,41,10
